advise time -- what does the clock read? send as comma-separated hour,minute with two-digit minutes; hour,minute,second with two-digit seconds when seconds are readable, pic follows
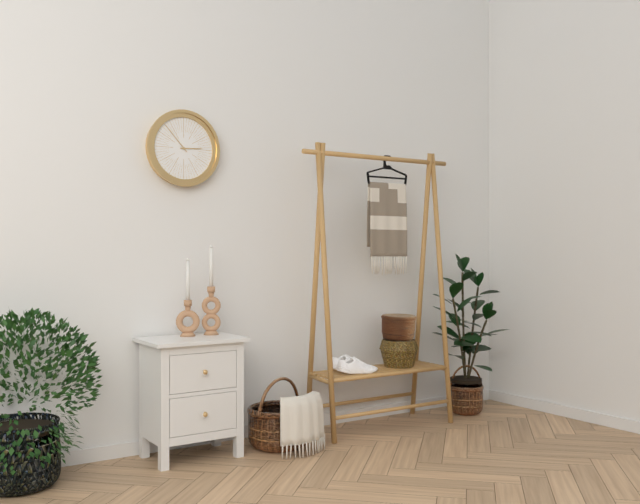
2,53
